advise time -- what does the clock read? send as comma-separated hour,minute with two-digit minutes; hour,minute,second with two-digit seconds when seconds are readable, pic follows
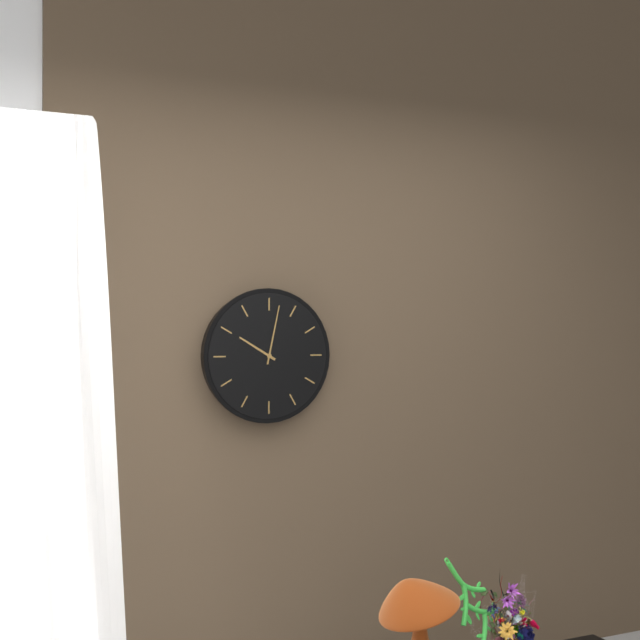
10,02
